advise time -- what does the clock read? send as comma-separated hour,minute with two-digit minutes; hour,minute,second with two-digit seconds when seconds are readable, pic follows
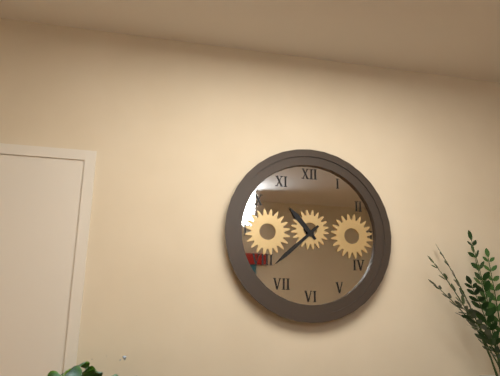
10,38
